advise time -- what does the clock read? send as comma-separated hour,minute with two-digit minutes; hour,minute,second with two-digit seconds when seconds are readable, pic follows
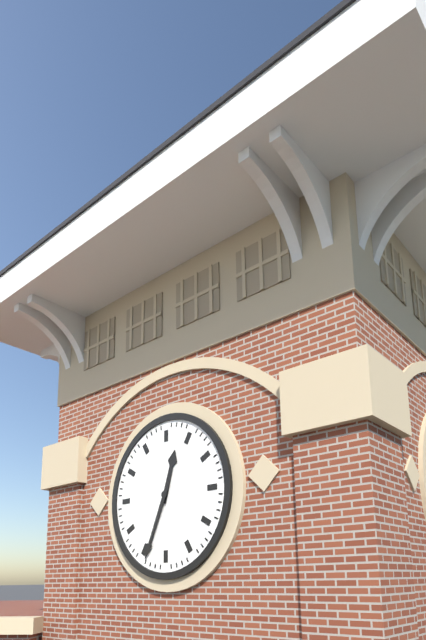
12,34
